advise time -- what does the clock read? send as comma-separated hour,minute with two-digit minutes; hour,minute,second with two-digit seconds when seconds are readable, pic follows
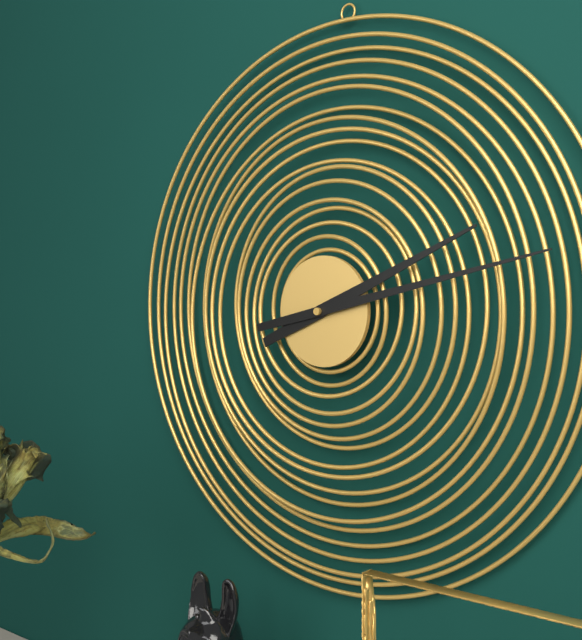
2,13
